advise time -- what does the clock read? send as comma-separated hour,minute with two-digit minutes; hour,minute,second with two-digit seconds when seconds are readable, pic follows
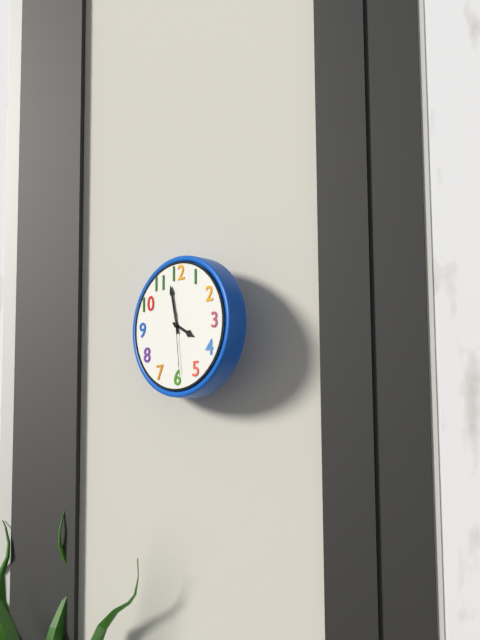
3,58,29
